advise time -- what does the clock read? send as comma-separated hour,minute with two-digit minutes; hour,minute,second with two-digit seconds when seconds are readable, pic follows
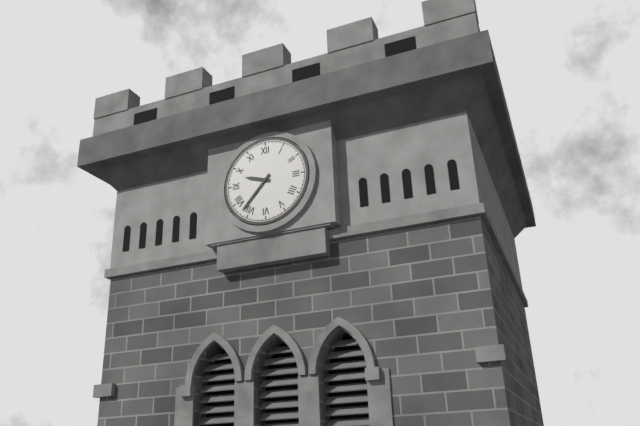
9,37
